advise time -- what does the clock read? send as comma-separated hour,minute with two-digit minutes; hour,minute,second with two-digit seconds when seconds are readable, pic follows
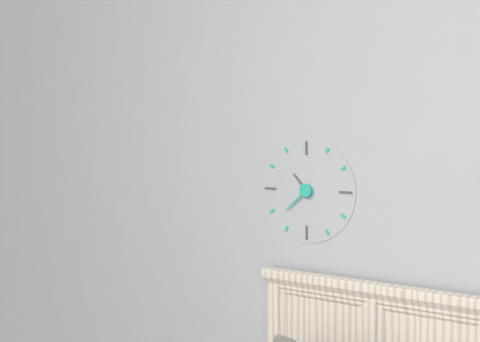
10,38
